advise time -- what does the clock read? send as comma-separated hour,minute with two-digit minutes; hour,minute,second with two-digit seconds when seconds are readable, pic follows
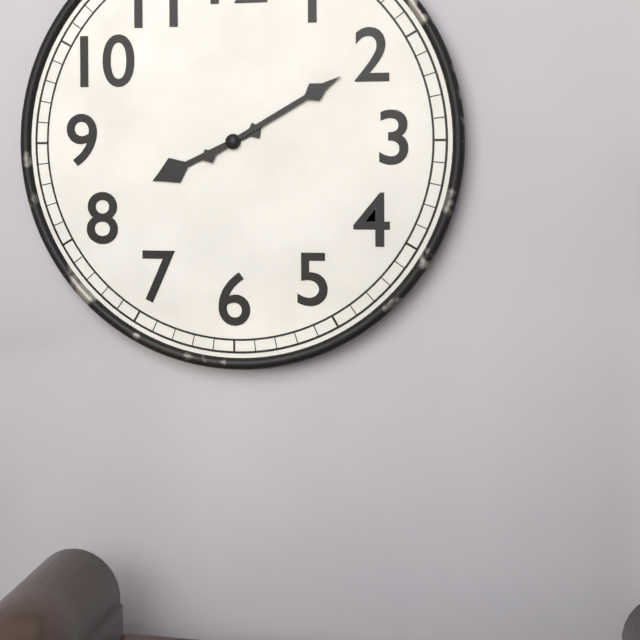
8,10
